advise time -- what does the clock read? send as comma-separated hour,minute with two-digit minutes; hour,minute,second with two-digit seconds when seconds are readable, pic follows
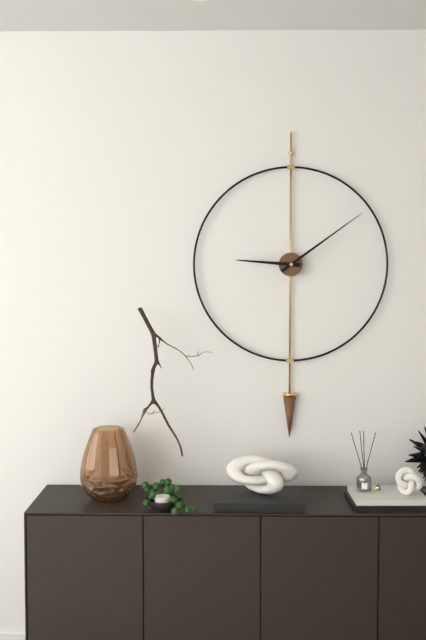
9,09
